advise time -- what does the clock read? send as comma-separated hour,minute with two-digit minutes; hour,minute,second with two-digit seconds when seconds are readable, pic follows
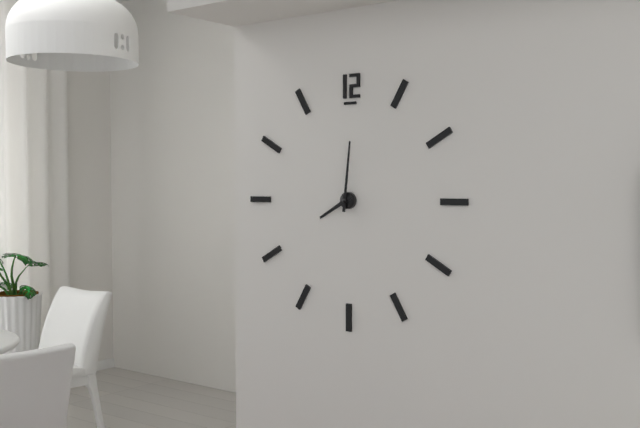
8,01
